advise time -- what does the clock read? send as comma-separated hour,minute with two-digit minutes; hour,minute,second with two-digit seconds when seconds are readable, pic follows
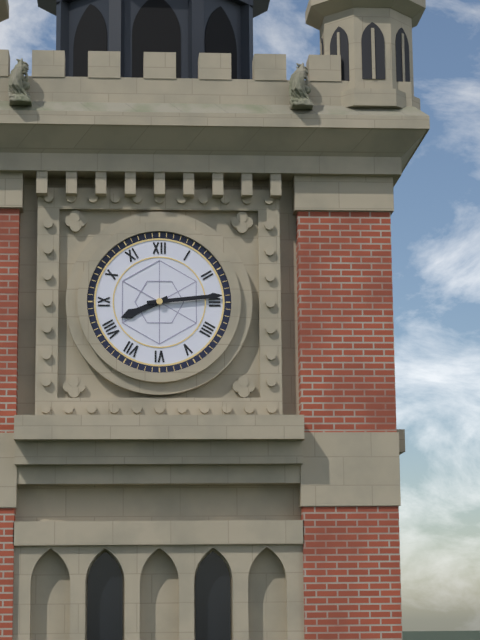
8,14
